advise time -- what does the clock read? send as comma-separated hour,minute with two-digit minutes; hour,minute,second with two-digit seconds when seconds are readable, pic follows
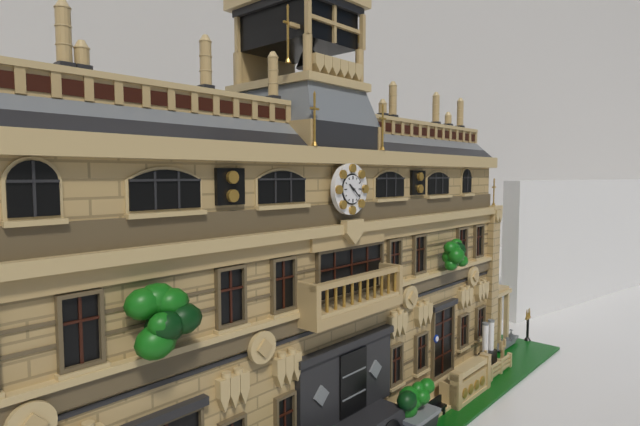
10,22
